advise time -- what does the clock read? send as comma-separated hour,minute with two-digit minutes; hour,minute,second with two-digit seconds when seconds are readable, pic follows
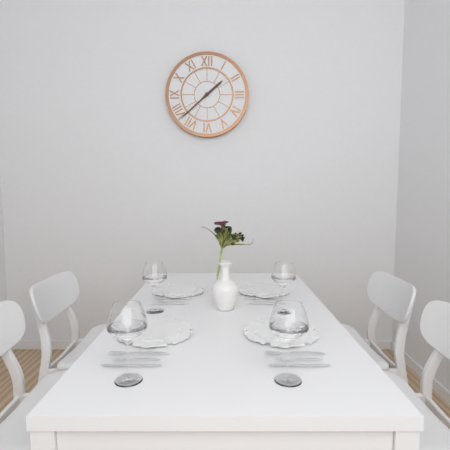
1,38
